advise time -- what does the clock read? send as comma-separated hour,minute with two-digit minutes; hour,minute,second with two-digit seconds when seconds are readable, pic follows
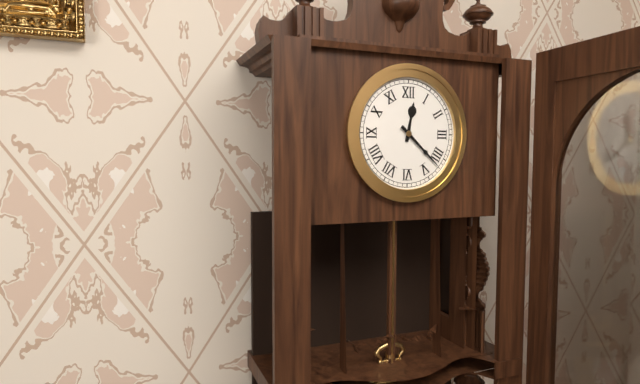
12,22
